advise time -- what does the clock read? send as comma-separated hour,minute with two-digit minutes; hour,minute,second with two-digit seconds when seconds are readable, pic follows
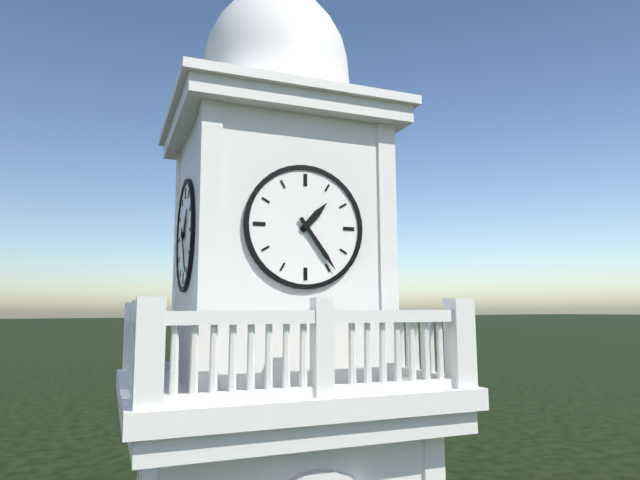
1,24
